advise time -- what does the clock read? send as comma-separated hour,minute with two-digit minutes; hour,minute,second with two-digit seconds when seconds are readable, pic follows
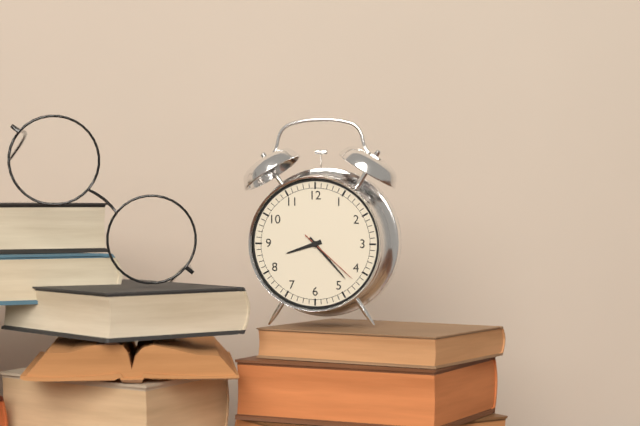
8,23,22
